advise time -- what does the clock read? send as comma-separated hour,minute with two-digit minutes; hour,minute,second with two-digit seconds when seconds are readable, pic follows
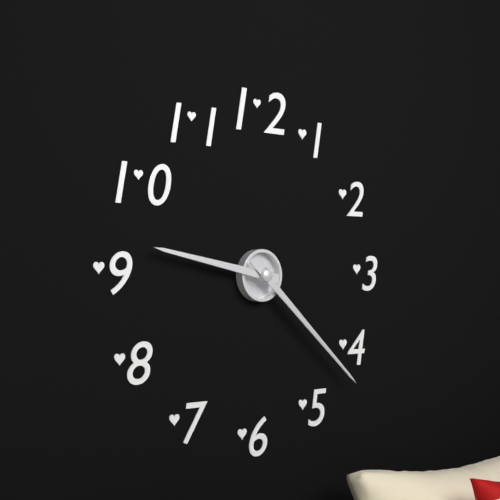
9,22
